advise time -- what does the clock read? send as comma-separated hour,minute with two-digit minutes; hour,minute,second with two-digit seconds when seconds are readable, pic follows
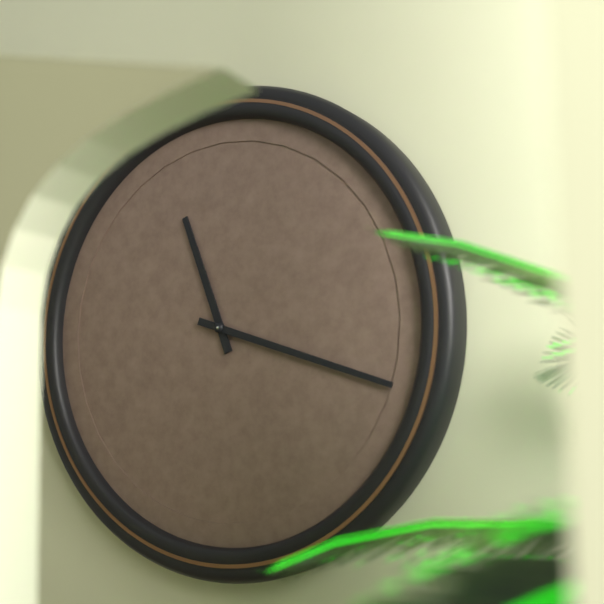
11,18
